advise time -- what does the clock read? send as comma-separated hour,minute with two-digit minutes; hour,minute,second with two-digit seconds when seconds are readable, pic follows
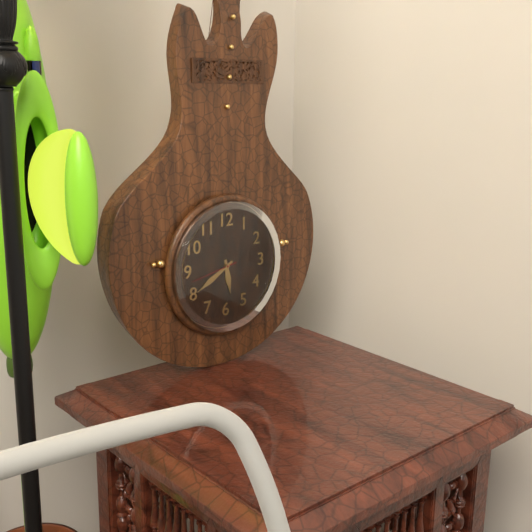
5,40
